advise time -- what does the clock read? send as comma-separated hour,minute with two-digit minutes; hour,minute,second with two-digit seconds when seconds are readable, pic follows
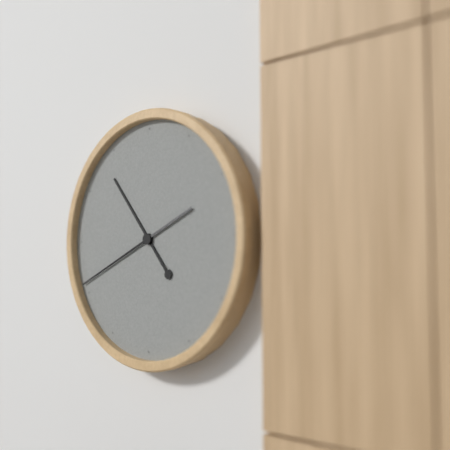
10,41
